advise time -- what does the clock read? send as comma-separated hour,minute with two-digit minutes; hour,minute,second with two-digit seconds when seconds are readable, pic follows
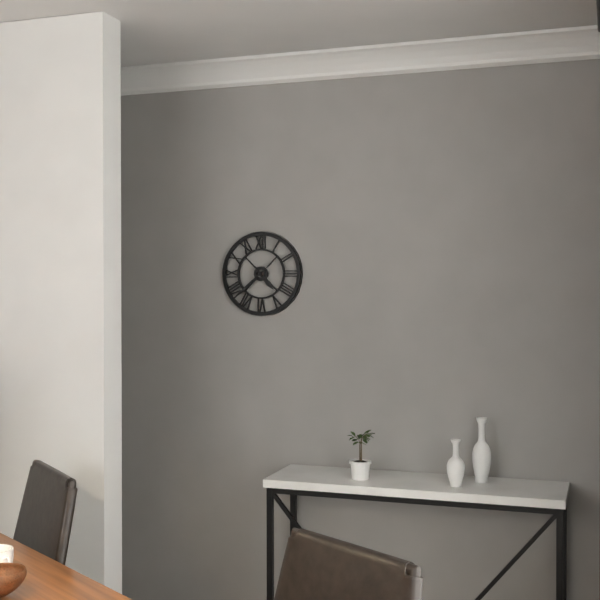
4,38
